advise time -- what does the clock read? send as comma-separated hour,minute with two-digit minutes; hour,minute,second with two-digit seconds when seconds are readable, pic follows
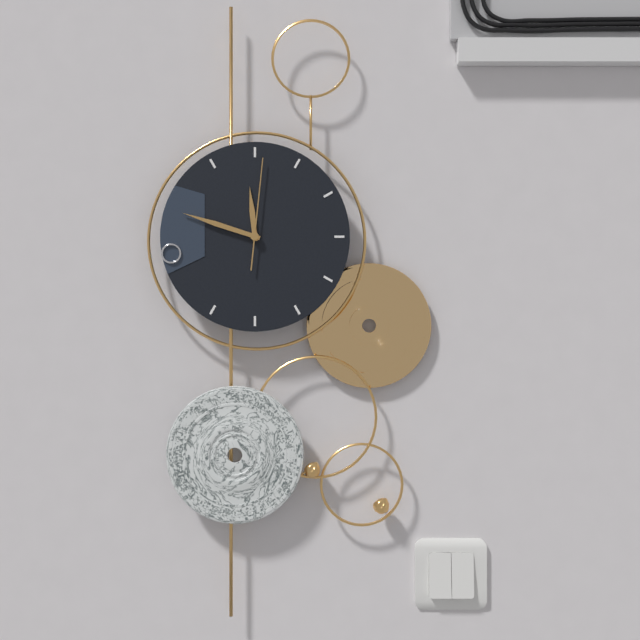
11,48,01
